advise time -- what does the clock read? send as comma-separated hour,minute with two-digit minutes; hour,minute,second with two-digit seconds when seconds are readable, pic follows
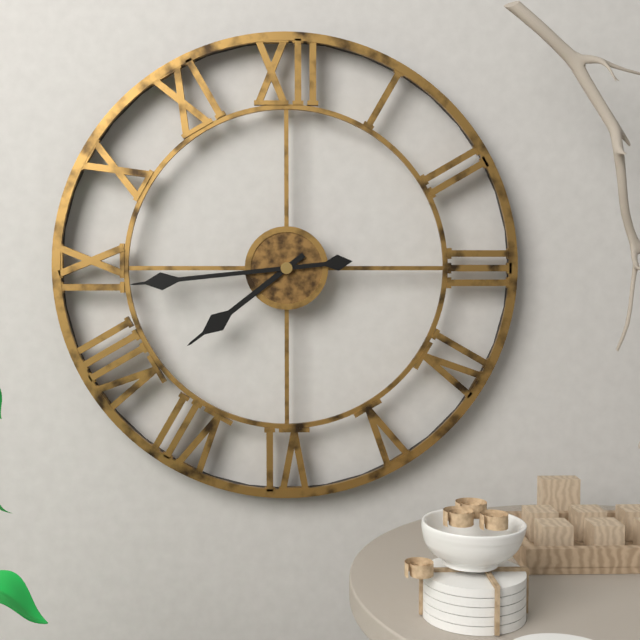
7,44
